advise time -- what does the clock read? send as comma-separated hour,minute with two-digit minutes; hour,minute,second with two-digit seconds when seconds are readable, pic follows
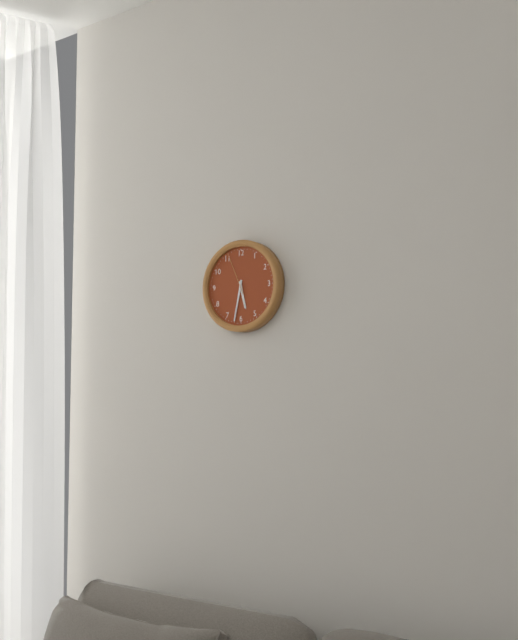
5,32
